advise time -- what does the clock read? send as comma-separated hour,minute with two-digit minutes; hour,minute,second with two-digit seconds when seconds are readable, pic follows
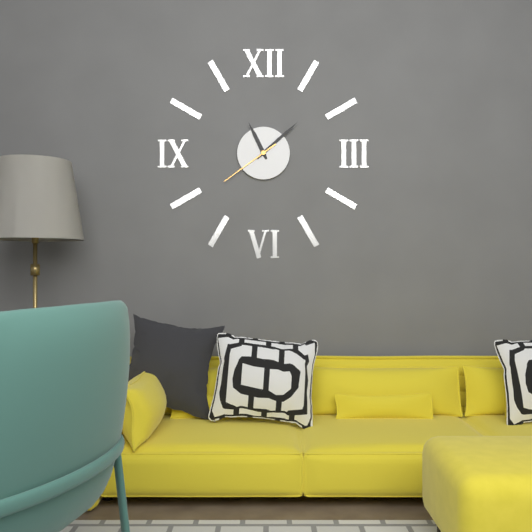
11,08,39
